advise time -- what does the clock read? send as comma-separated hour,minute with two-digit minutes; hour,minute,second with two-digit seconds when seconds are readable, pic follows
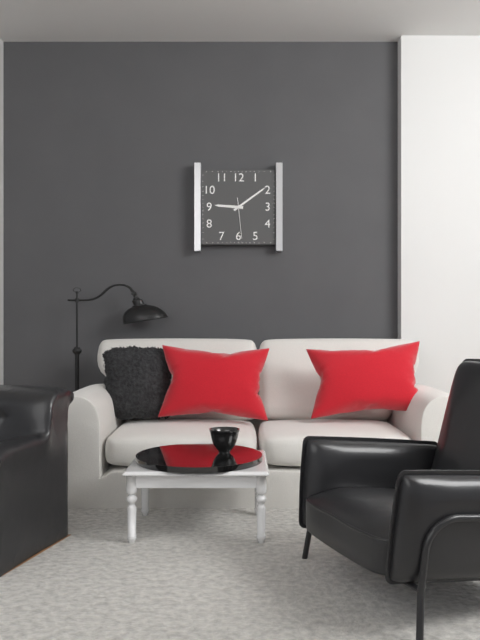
9,09
